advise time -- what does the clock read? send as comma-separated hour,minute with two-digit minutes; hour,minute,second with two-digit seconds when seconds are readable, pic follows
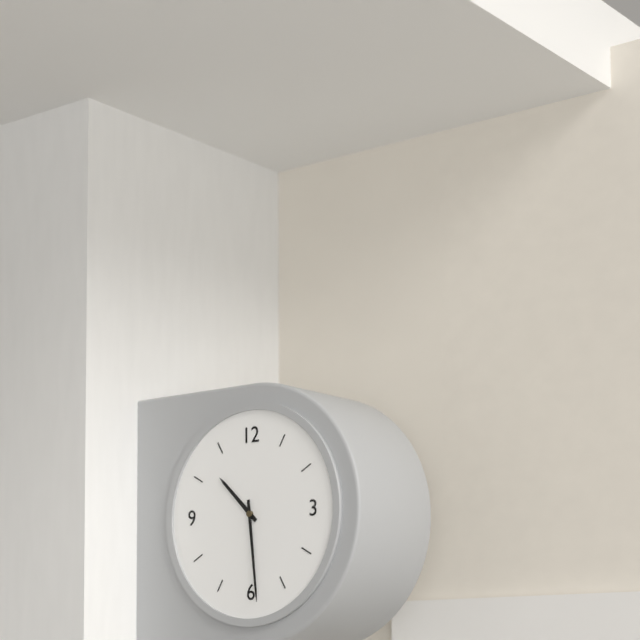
10,29
